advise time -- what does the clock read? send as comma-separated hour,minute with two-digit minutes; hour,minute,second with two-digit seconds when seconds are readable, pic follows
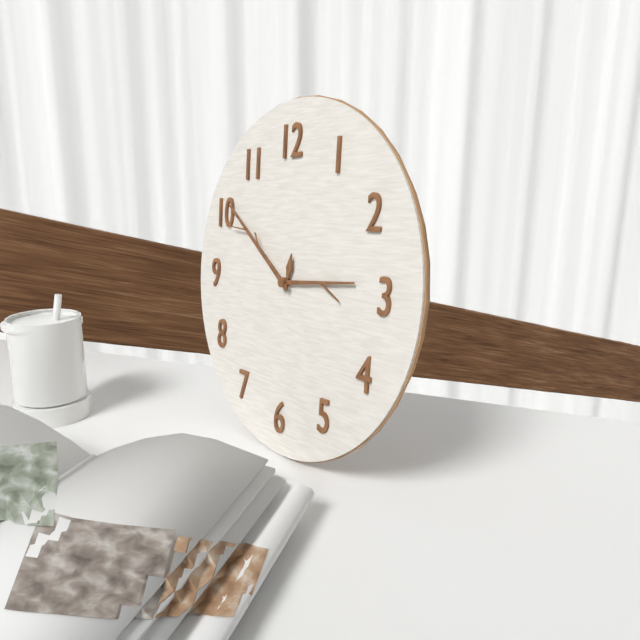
2,51
